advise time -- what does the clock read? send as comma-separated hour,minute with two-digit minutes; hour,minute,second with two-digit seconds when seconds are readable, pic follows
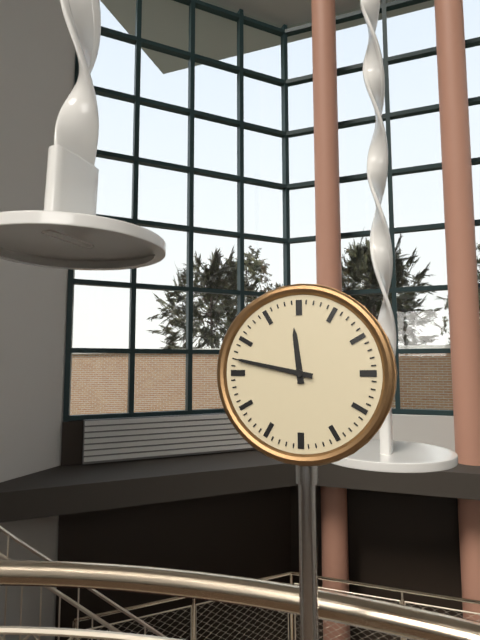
11,47
